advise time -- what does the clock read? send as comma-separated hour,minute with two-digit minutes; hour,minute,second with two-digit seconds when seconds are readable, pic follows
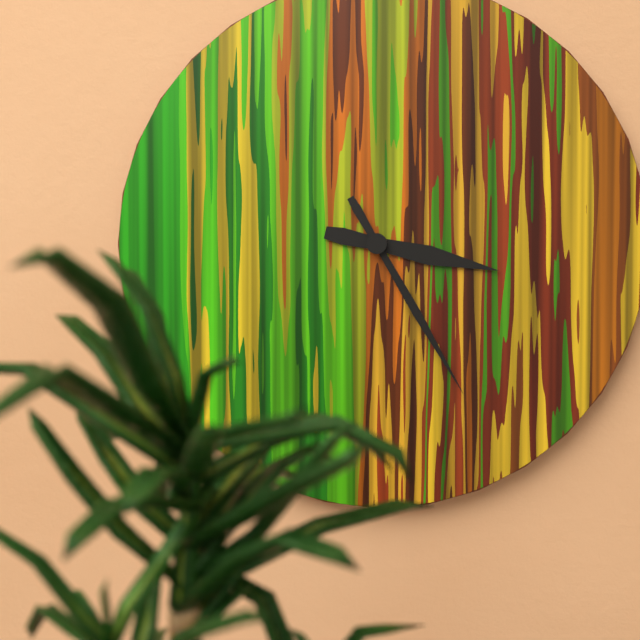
3,25
